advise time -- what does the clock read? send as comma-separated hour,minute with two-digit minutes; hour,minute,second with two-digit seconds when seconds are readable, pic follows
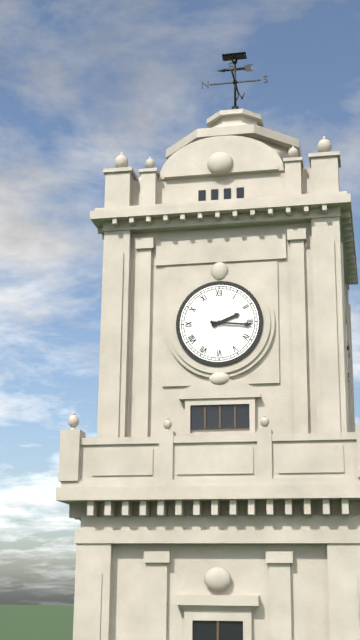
2,16
